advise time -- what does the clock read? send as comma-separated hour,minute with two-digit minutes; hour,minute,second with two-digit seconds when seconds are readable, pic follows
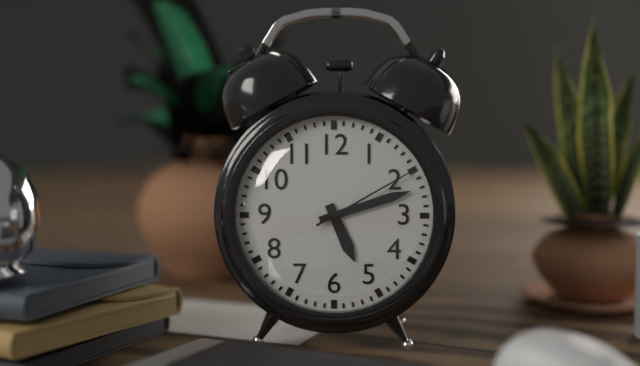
5,12,10
